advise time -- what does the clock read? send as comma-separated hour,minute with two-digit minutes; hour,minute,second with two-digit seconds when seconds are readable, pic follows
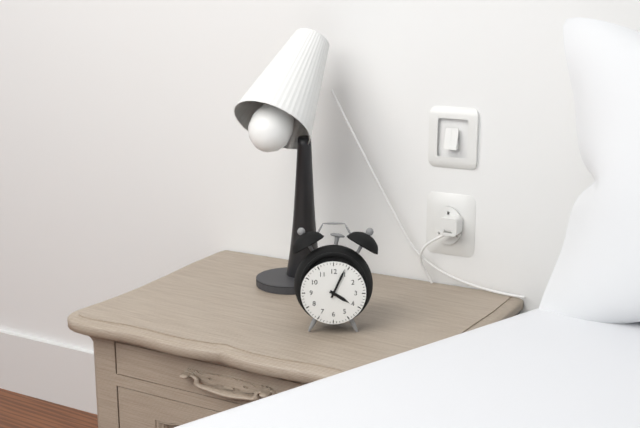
4,04
